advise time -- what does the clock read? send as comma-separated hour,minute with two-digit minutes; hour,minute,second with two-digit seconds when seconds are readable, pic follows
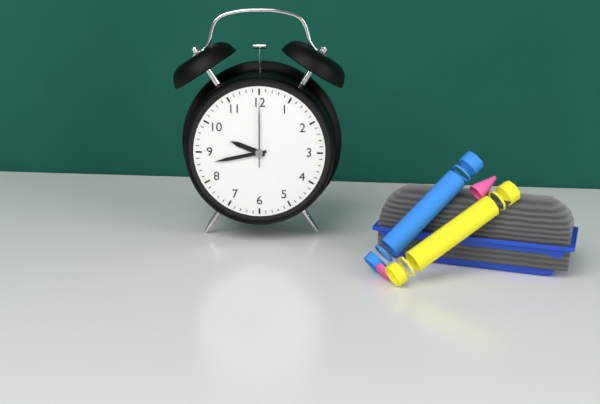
9,43,00
